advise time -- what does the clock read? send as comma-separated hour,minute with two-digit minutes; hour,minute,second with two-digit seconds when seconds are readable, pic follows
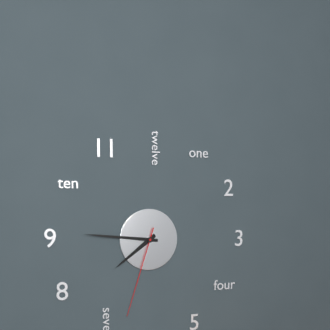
7,46,33
